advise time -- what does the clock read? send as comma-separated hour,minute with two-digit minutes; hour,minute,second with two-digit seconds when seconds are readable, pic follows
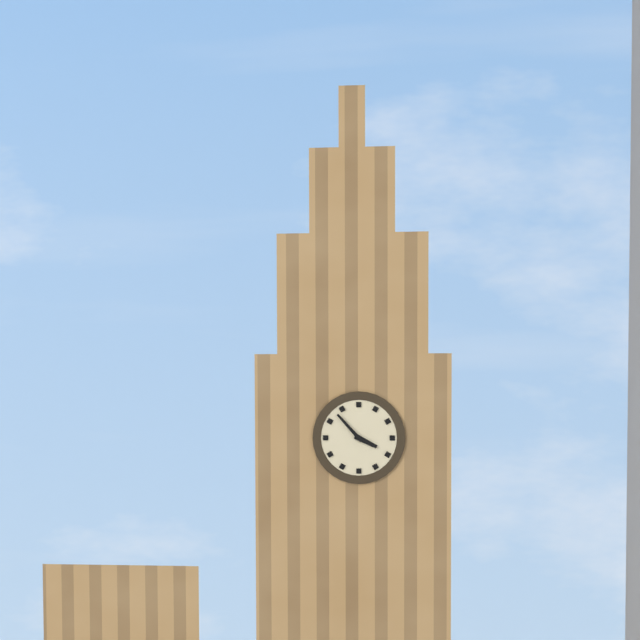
3,53
